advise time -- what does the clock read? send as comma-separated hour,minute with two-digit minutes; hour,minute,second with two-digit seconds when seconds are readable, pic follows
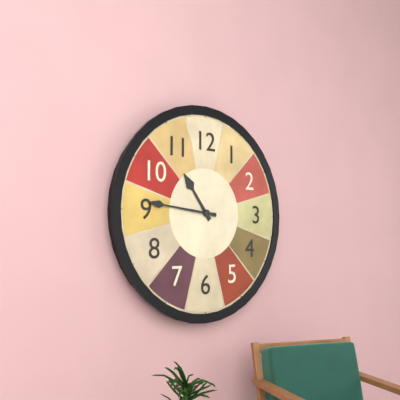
10,46
